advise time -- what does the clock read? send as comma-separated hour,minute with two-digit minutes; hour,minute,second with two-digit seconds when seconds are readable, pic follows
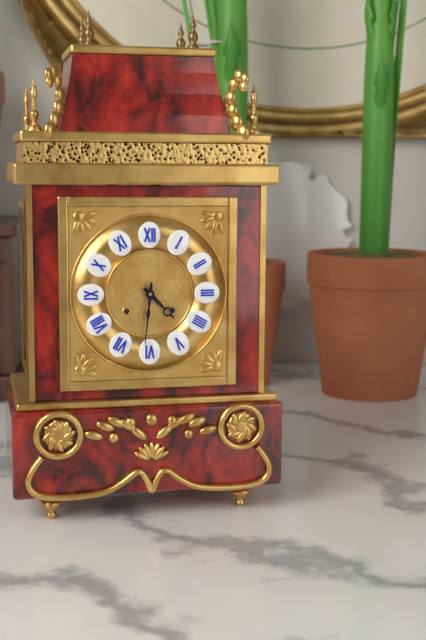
4,31
